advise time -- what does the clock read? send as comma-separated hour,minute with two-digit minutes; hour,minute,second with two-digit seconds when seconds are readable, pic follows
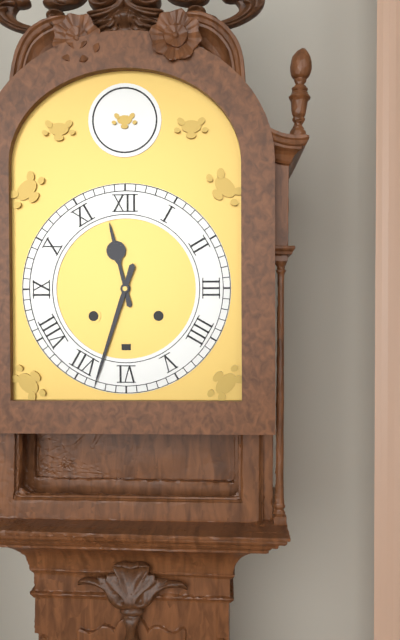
11,33
